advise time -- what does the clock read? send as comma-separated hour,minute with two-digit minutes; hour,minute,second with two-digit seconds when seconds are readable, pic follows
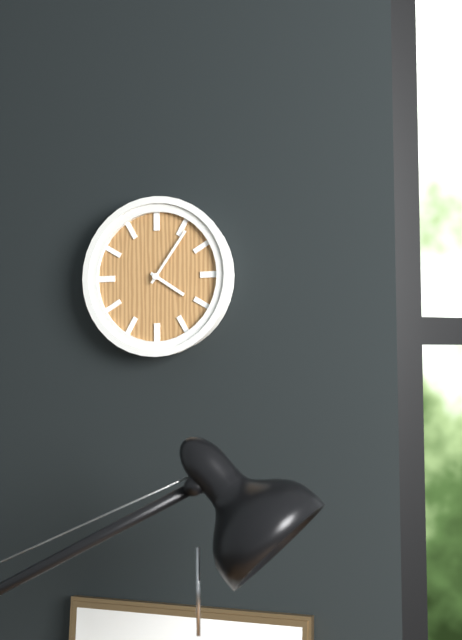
4,06
